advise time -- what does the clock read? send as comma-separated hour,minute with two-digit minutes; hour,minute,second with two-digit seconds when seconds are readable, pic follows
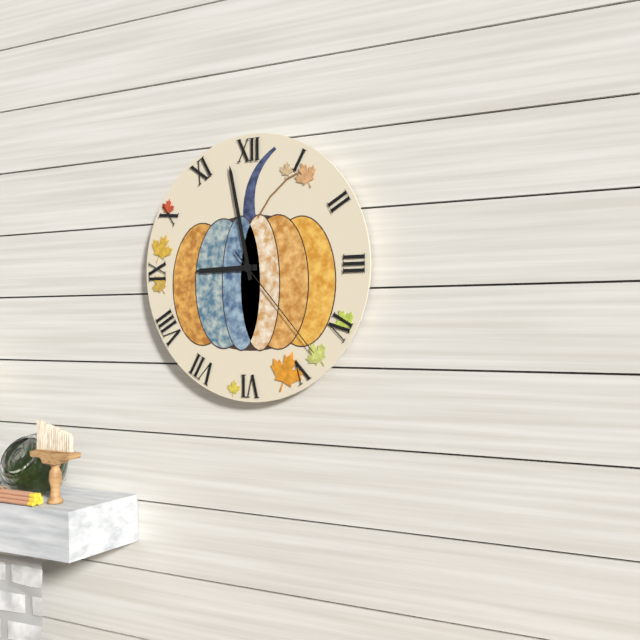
8,58,23
